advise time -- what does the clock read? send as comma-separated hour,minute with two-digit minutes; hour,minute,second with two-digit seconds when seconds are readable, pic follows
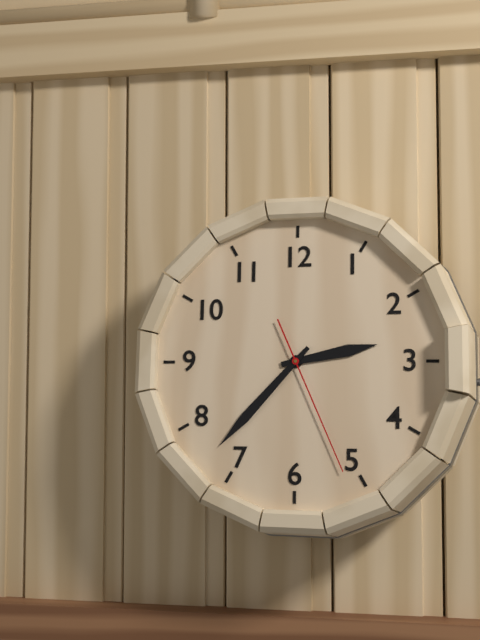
2,37,26
